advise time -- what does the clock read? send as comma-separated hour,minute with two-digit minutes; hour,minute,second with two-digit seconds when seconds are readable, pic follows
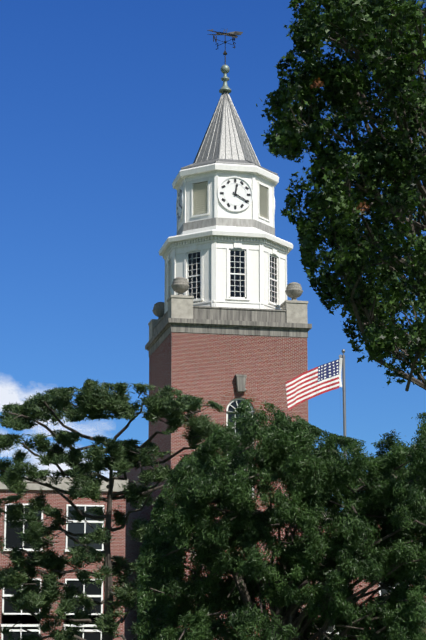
12,20
